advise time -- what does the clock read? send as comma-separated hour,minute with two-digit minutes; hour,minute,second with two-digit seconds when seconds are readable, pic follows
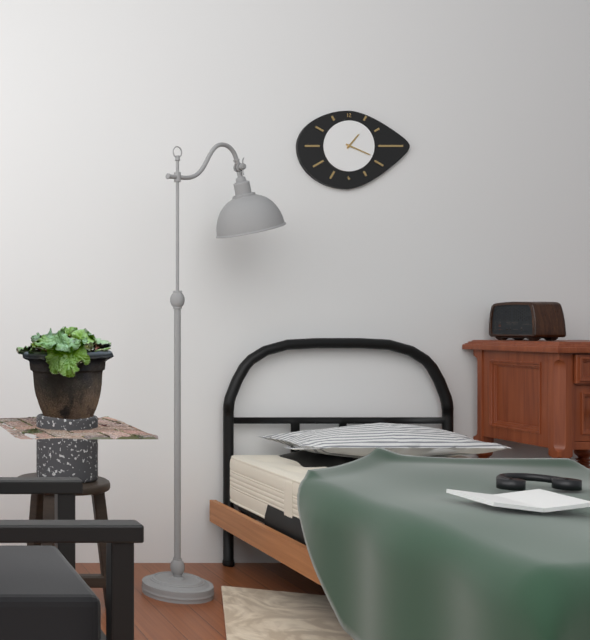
1,19
